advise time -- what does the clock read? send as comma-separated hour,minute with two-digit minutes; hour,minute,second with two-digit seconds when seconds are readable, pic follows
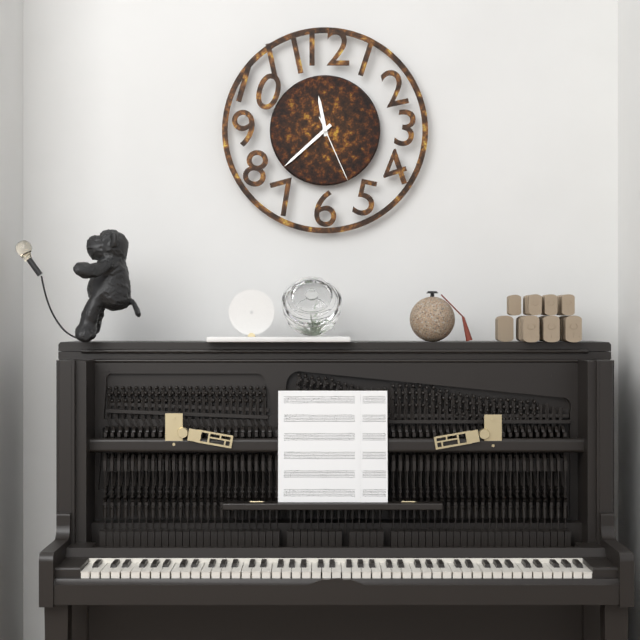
11,38,26
